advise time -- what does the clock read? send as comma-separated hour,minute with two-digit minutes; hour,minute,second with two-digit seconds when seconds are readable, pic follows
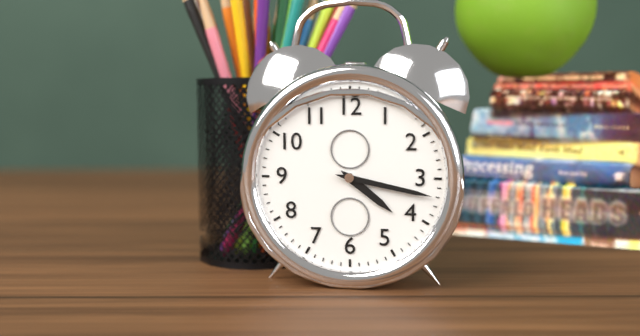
4,17
